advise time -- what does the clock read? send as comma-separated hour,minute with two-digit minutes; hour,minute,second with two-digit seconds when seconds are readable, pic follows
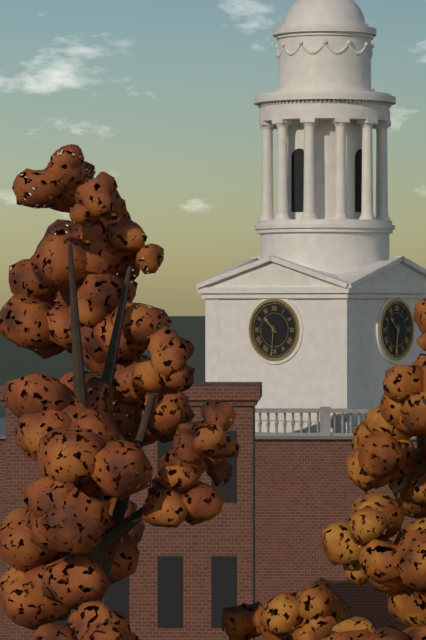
10,31
